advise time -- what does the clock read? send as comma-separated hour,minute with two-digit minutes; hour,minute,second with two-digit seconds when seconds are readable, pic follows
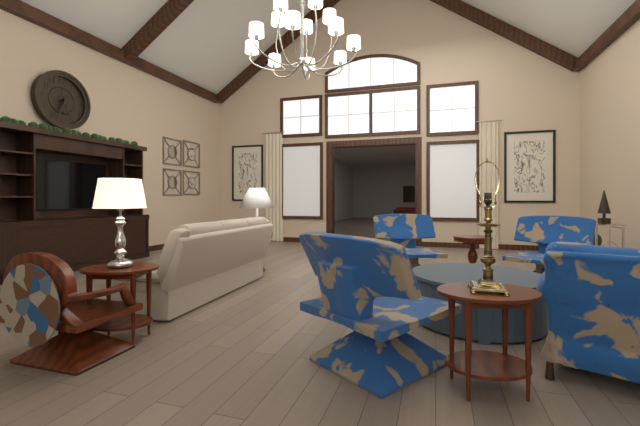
5,34
